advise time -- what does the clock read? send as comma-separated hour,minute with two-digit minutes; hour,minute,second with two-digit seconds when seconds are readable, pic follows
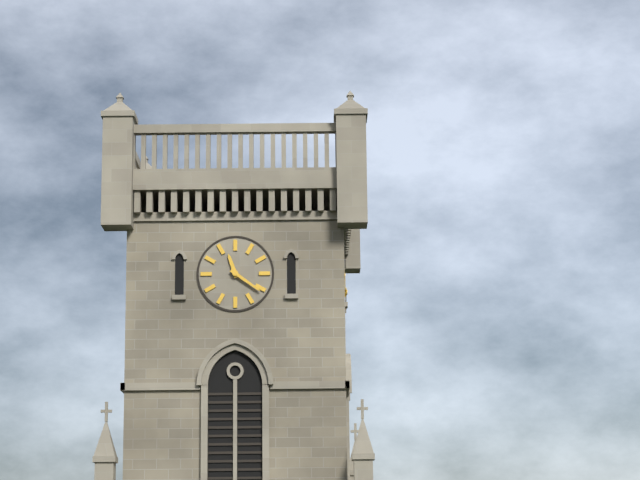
11,21
